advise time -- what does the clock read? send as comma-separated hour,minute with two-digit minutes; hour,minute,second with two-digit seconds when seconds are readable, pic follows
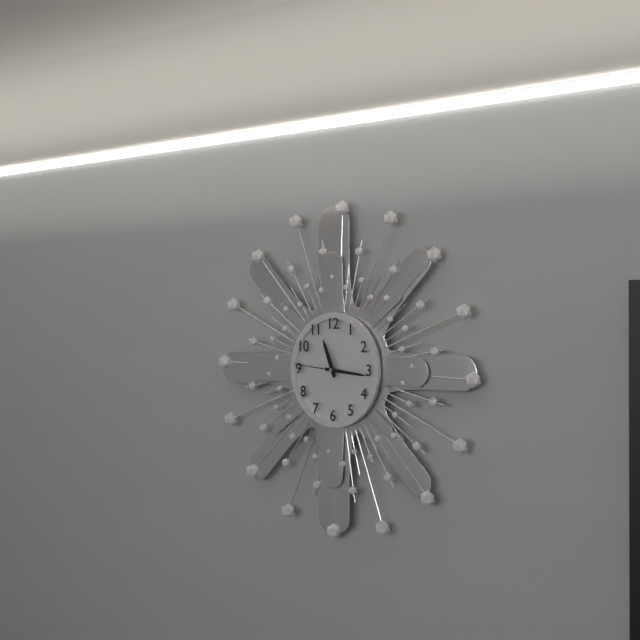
11,16
